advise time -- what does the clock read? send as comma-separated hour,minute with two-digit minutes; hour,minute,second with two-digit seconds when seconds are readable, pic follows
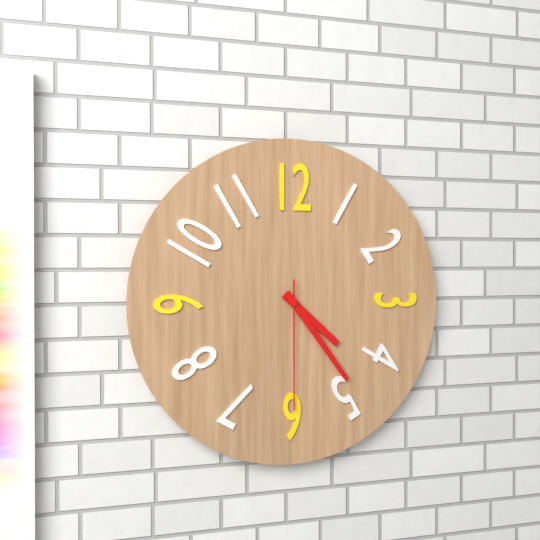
4,24,30
